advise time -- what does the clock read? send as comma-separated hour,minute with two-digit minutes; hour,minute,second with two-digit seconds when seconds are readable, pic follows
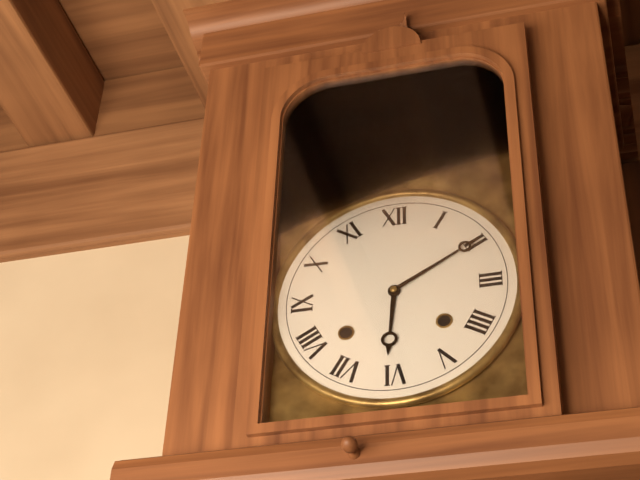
6,10
